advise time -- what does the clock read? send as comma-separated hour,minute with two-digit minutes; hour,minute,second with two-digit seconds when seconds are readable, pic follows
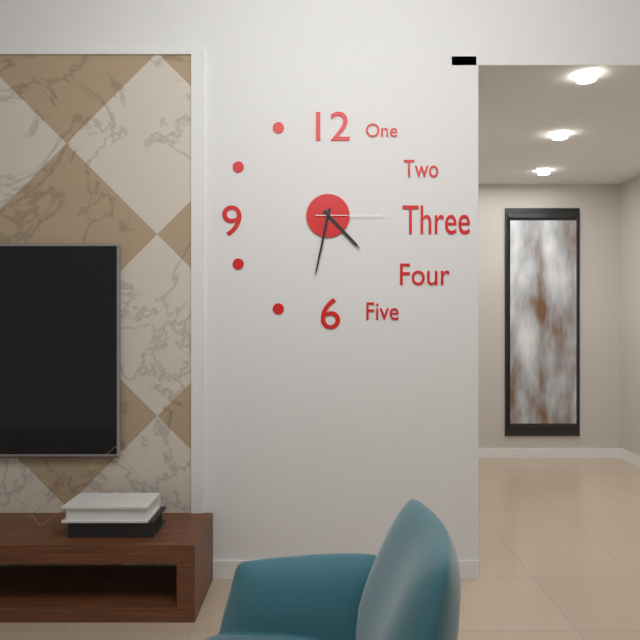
4,32,15
